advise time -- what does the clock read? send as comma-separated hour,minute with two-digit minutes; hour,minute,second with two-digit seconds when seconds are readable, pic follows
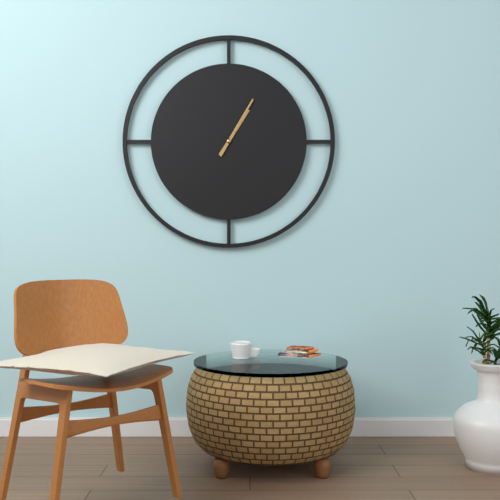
1,05
